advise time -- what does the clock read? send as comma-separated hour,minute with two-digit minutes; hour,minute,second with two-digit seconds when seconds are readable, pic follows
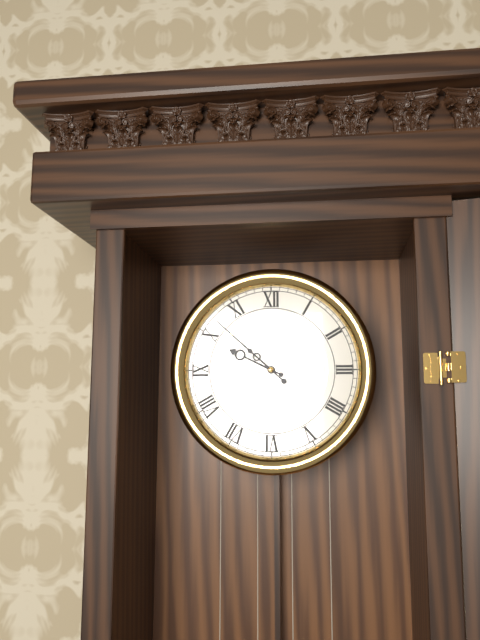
9,52
